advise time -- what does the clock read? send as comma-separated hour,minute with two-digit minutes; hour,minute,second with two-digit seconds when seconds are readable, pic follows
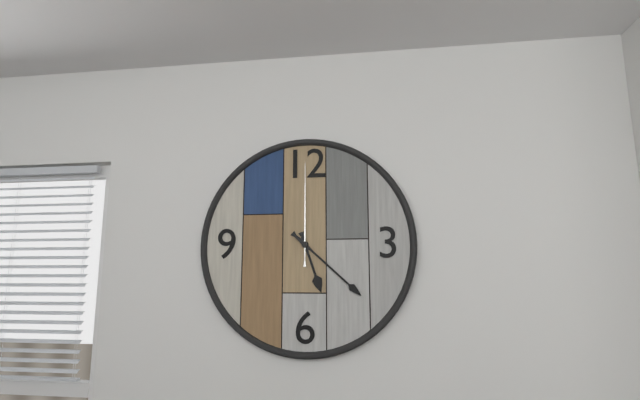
5,22,00
